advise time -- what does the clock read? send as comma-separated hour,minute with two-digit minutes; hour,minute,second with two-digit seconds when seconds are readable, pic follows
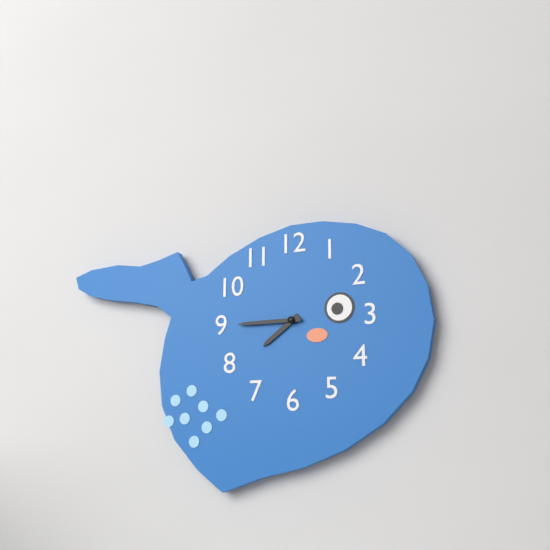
7,45
